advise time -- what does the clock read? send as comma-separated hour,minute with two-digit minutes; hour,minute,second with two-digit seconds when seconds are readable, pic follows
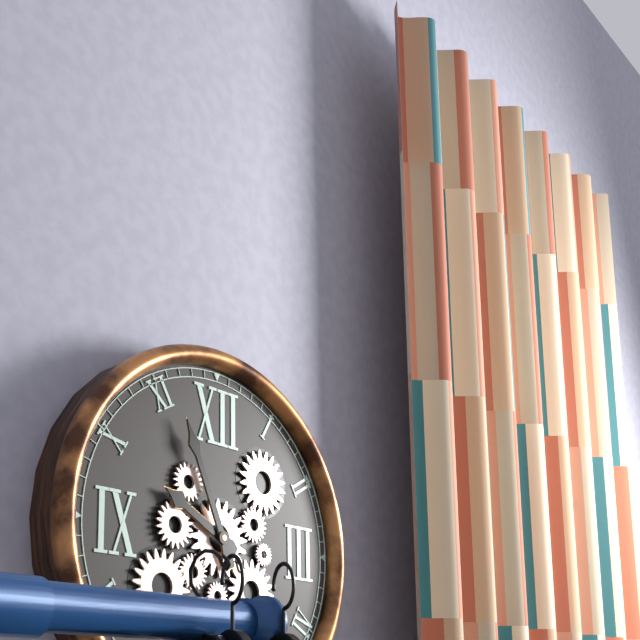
9,56
